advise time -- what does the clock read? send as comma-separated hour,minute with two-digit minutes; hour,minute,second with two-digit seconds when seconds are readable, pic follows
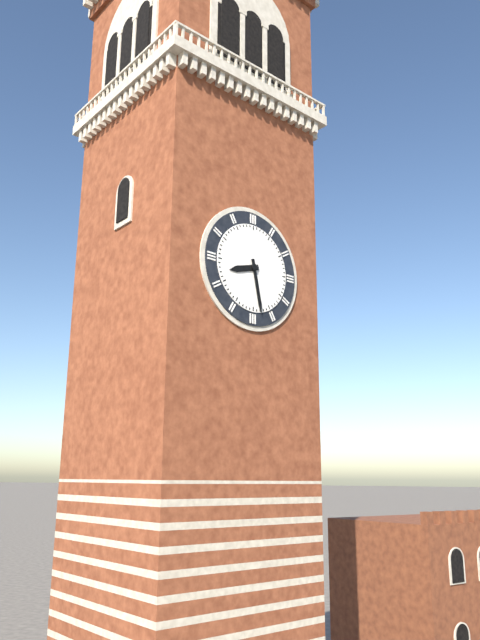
8,28
